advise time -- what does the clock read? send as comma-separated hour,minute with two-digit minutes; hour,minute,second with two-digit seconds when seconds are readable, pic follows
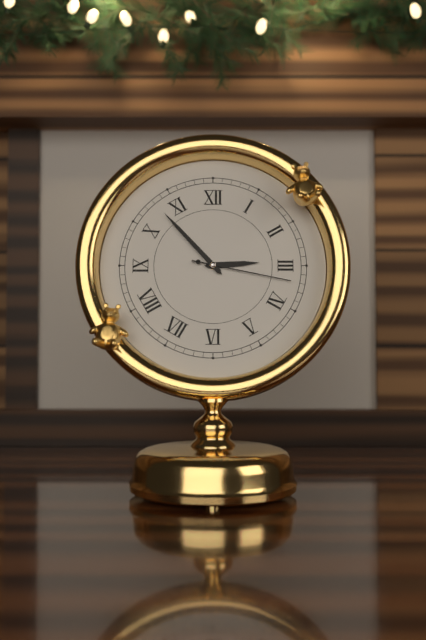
2,53,17
